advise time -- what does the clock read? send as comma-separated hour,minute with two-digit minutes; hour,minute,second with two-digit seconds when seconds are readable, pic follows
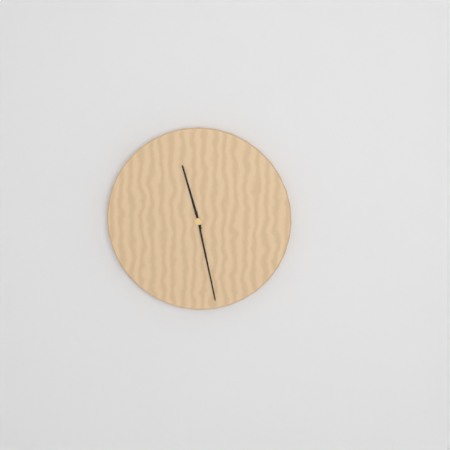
11,28
